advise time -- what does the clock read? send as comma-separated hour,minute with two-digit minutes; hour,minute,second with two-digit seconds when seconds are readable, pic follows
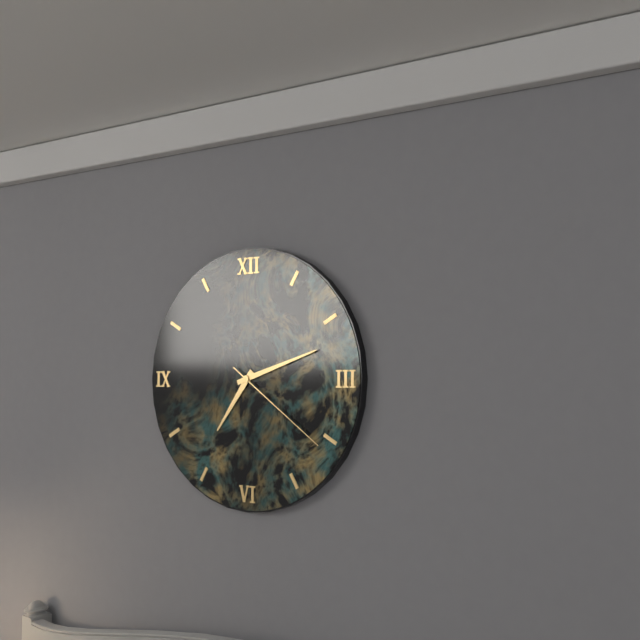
7,12,21
